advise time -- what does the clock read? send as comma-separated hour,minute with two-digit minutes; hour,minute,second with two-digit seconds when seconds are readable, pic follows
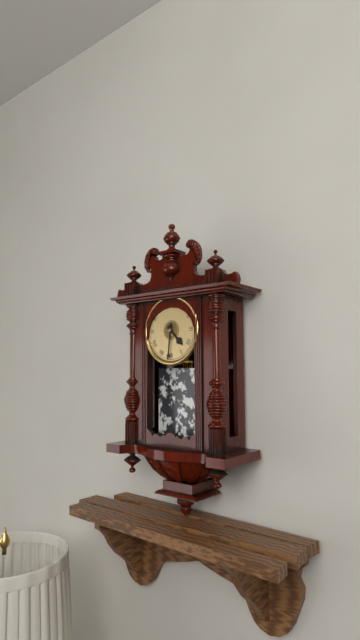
4,31
